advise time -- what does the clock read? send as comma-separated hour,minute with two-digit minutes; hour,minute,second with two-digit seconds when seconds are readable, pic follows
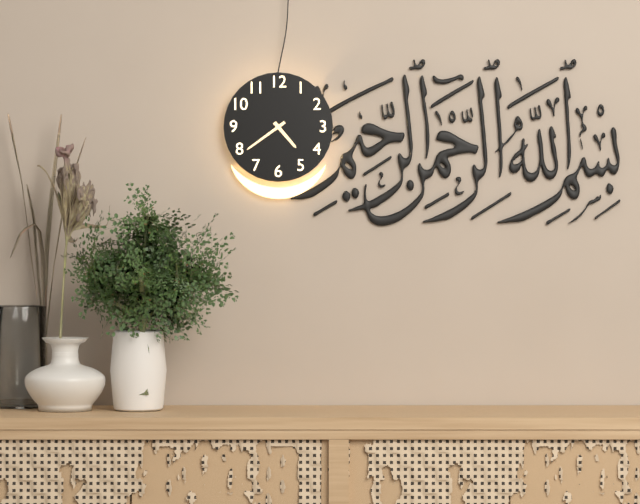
4,39
